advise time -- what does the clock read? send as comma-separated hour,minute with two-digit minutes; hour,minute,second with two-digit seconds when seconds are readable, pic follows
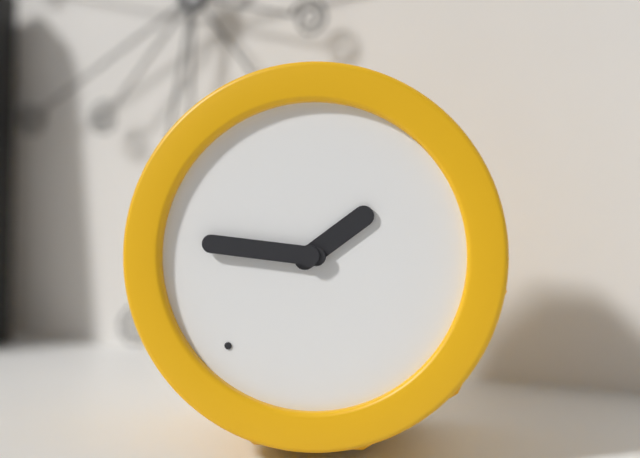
1,46
